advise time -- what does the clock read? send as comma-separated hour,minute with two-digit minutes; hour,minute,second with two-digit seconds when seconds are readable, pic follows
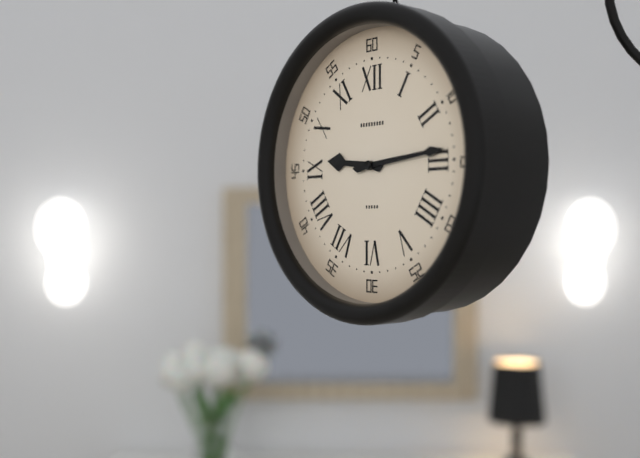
9,14
